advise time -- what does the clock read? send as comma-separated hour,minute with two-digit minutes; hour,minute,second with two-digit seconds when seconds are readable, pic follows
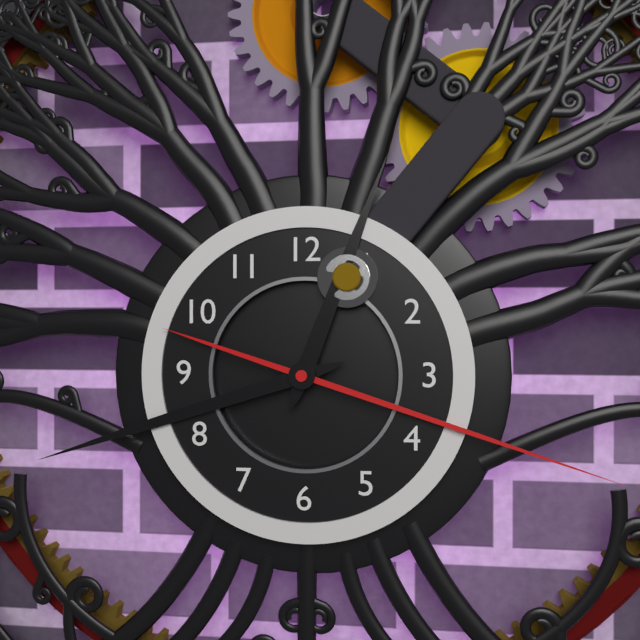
12,42,18
